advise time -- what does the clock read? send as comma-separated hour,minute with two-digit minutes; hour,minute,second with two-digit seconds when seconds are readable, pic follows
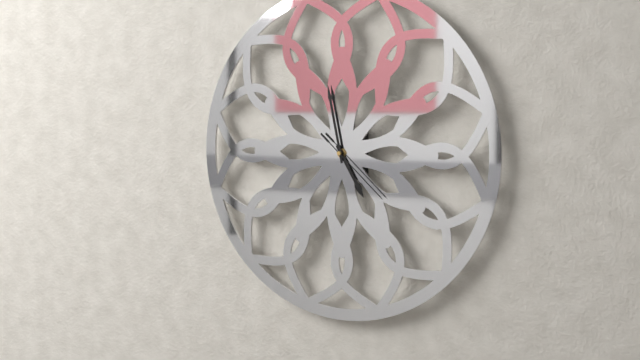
4,58,22
